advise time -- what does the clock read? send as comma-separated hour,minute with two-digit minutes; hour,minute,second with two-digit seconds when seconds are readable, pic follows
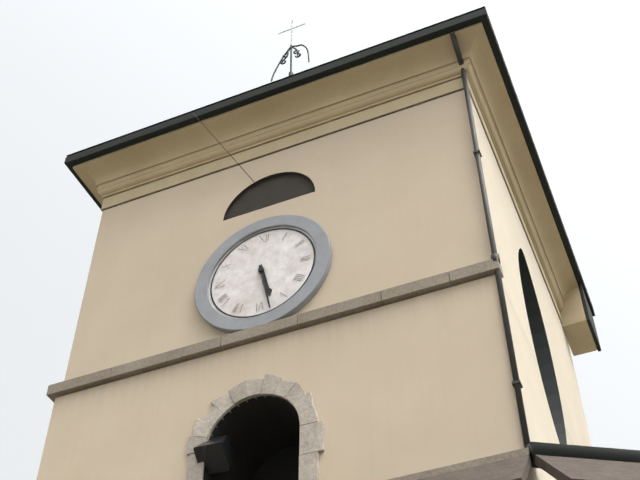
5,28
